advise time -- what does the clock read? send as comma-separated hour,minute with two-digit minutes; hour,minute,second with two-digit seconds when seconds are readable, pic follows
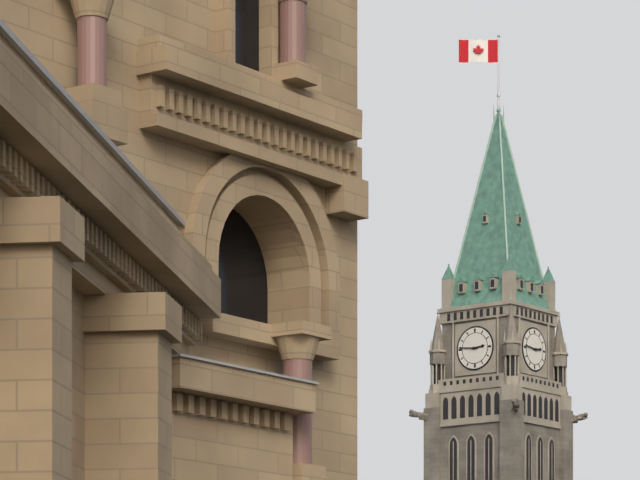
2,46
